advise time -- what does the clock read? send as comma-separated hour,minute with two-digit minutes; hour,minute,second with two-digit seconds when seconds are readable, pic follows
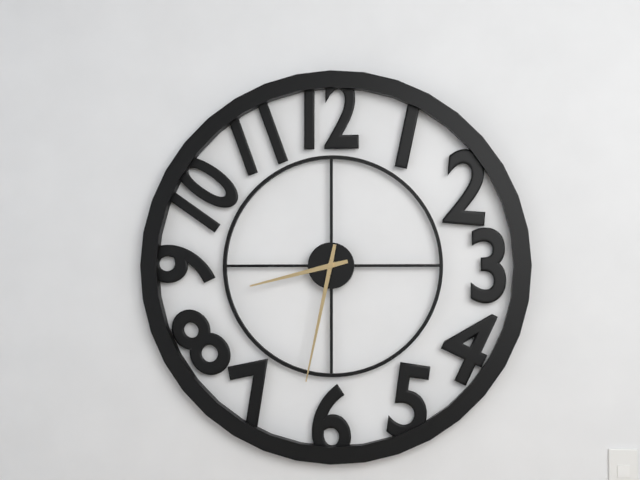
8,32
